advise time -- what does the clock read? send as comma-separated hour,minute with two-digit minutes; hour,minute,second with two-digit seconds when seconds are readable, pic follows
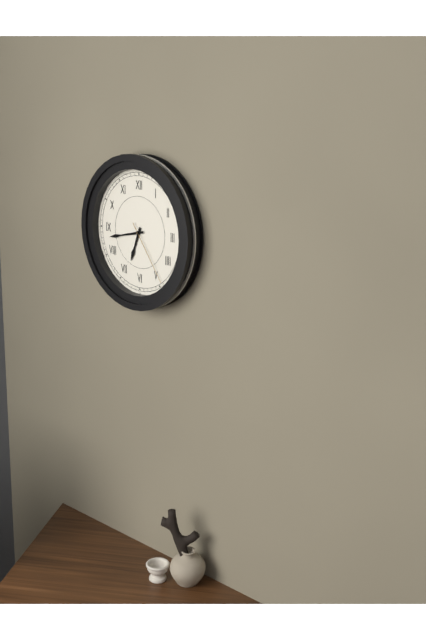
6,43,24
